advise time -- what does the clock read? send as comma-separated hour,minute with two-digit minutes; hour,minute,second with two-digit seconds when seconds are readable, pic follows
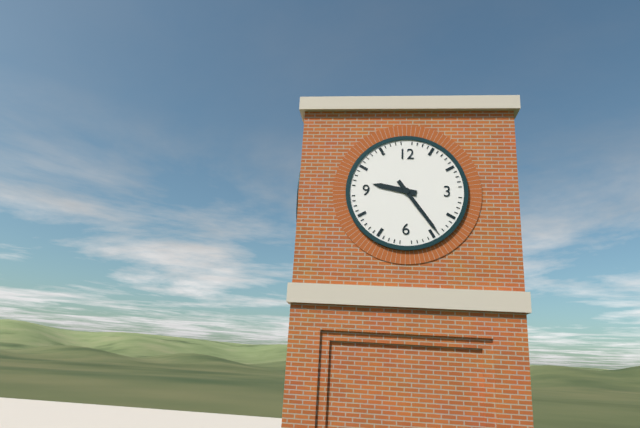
9,24
